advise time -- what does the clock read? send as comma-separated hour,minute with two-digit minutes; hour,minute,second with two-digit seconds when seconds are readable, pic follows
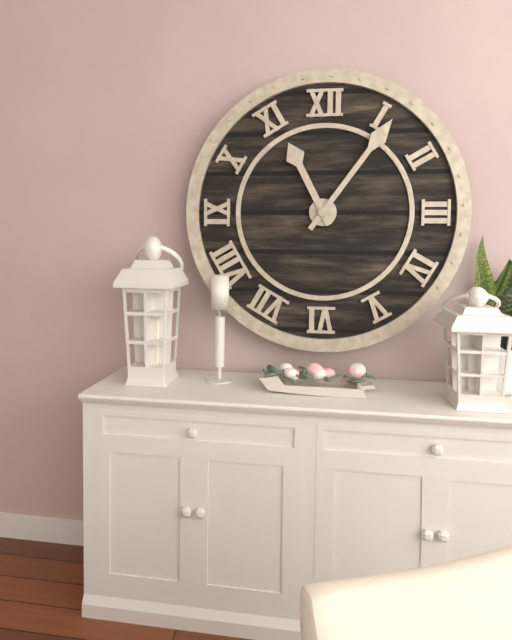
11,06
